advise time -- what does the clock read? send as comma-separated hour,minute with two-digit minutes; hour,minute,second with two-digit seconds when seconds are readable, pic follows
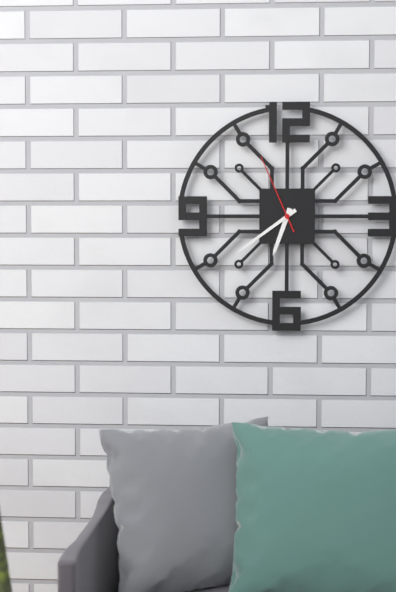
6,39,56
